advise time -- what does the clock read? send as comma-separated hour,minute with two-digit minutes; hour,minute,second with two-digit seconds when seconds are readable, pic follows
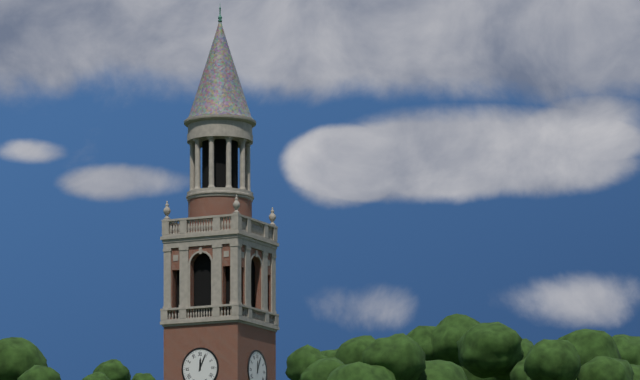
12,04
